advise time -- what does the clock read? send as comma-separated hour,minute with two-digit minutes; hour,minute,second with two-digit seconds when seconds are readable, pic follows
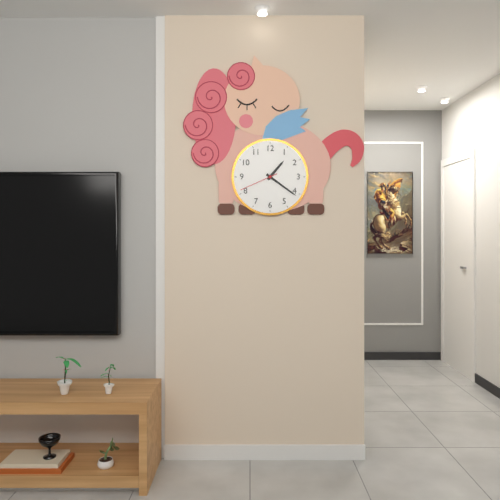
1,21
